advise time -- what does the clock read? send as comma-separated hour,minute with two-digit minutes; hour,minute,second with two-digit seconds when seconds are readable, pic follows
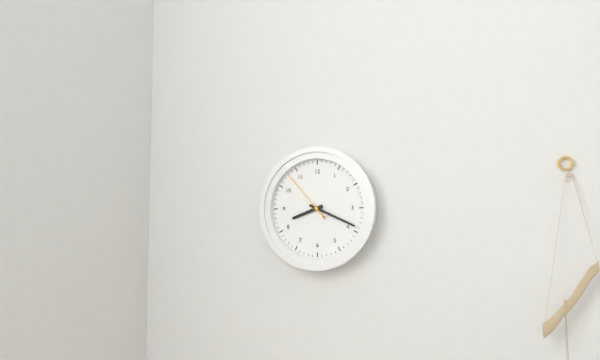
8,19,53
